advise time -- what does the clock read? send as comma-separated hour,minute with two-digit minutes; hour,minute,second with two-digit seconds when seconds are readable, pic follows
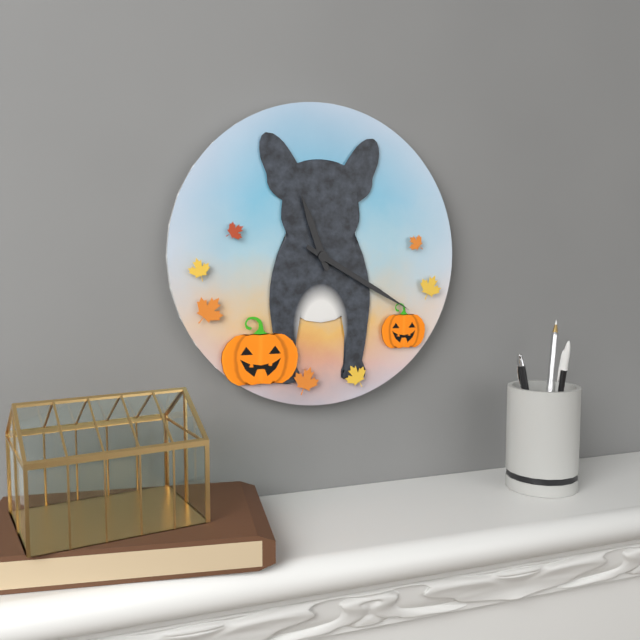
11,20
